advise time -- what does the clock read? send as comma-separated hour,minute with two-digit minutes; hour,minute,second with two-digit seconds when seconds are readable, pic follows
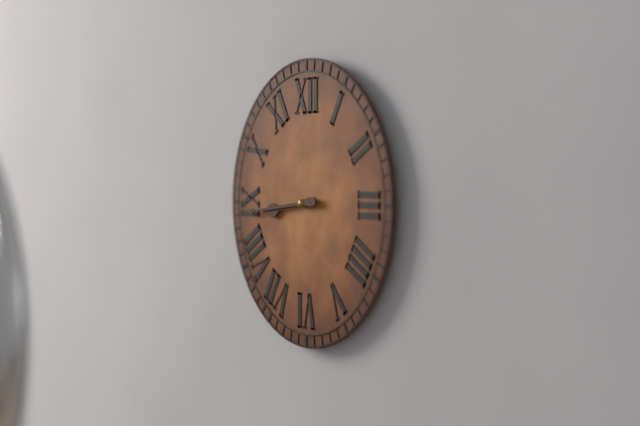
8,44
